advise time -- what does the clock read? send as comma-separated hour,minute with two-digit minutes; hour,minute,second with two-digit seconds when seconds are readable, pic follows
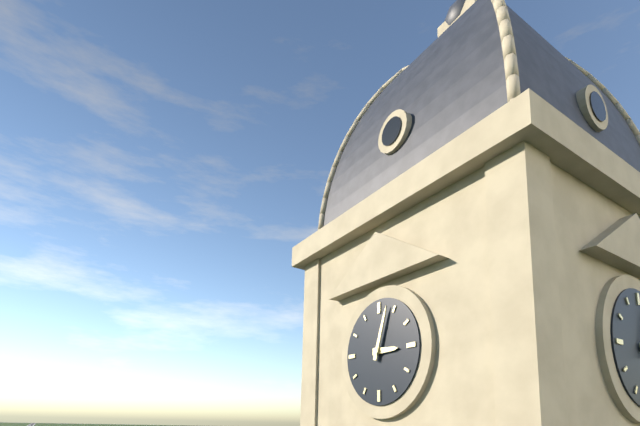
3,03
